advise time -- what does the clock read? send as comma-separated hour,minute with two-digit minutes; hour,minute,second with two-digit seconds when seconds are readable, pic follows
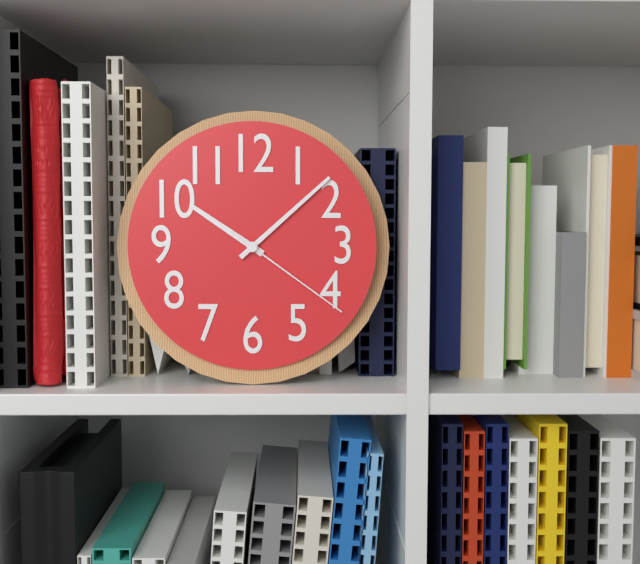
10,08,21
